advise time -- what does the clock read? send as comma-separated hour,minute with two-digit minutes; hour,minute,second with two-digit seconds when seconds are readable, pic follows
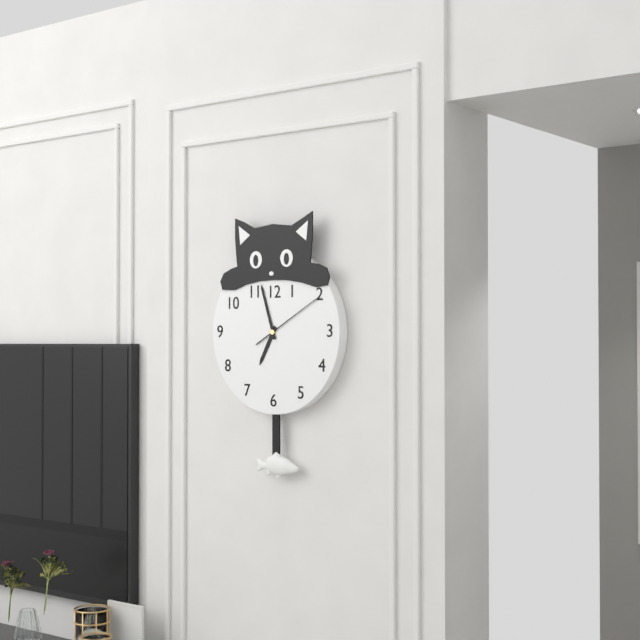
6,57,10
